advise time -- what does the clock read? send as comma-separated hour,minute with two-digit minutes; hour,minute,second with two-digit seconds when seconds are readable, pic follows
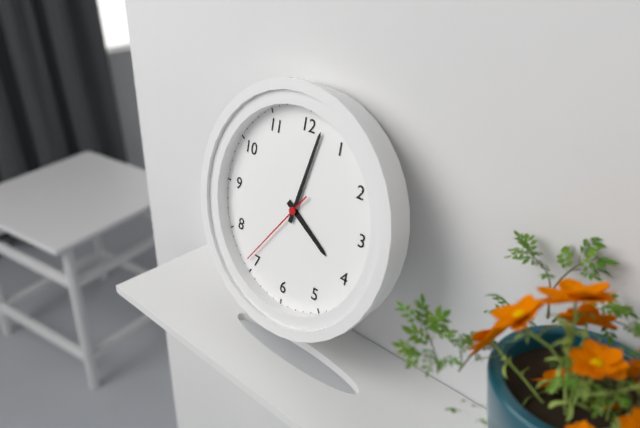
4,02,36
